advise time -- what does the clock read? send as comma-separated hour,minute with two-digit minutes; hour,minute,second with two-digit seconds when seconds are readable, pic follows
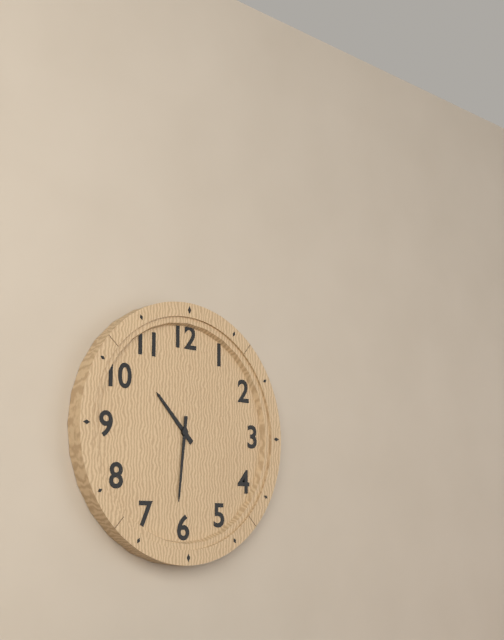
10,31
